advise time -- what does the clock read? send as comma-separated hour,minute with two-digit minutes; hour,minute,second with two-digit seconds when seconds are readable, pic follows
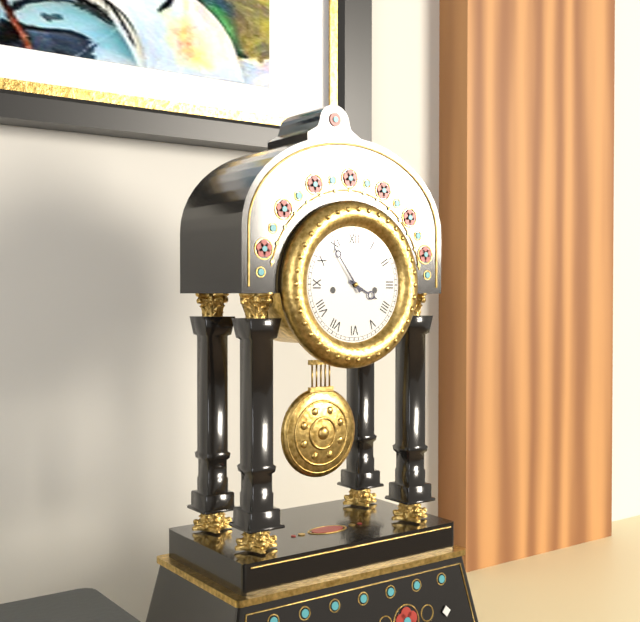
3,54
